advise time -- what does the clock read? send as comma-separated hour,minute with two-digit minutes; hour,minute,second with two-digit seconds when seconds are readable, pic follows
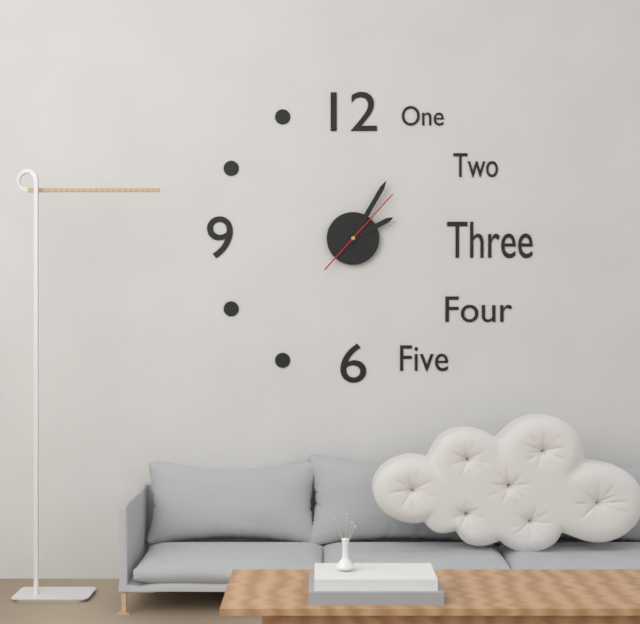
2,05,07
